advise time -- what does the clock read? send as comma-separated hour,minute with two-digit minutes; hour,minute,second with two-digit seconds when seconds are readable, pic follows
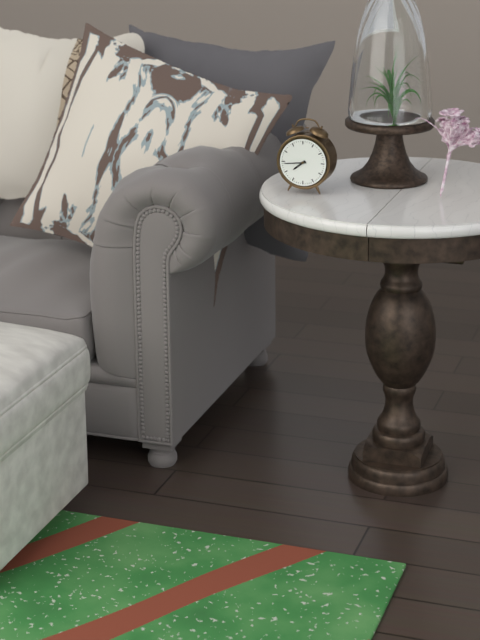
7,44
